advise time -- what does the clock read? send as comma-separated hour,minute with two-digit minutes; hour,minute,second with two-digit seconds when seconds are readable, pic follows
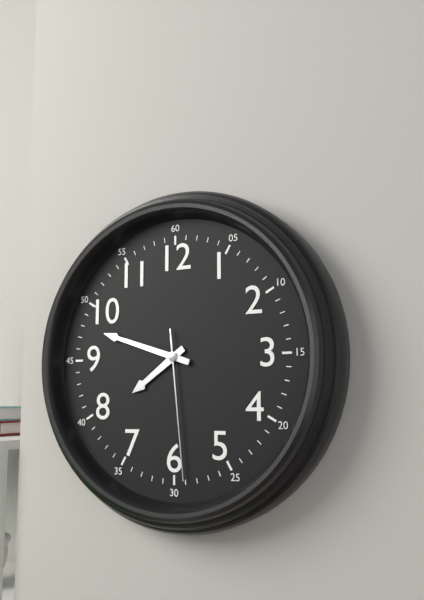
7,48,29
